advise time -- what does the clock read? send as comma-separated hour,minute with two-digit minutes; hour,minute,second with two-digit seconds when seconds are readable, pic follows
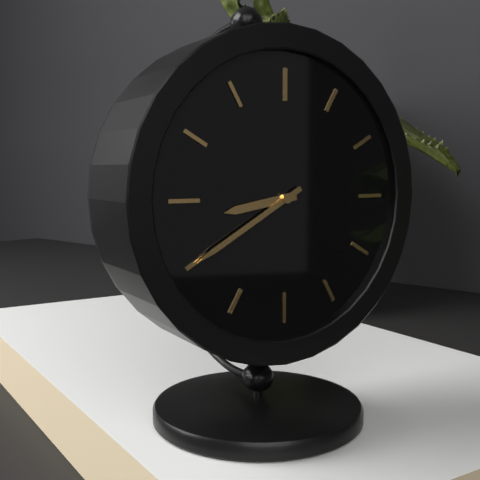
8,40
